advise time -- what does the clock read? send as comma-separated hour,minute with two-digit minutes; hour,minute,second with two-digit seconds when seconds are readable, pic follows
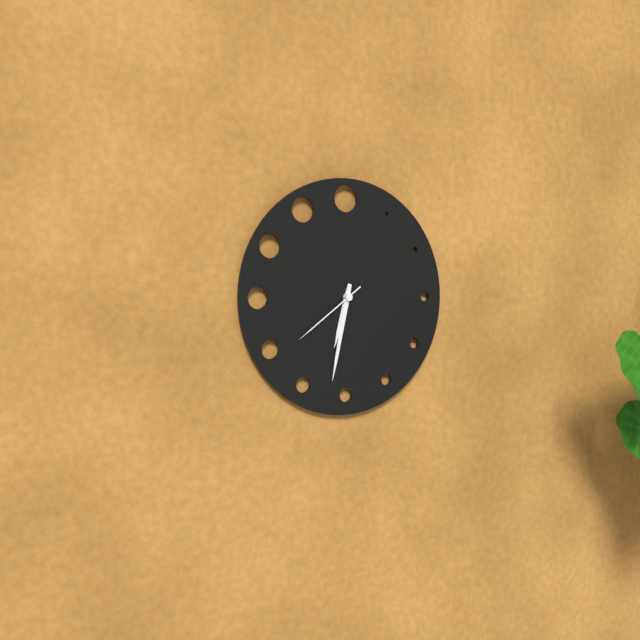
6,32,39
